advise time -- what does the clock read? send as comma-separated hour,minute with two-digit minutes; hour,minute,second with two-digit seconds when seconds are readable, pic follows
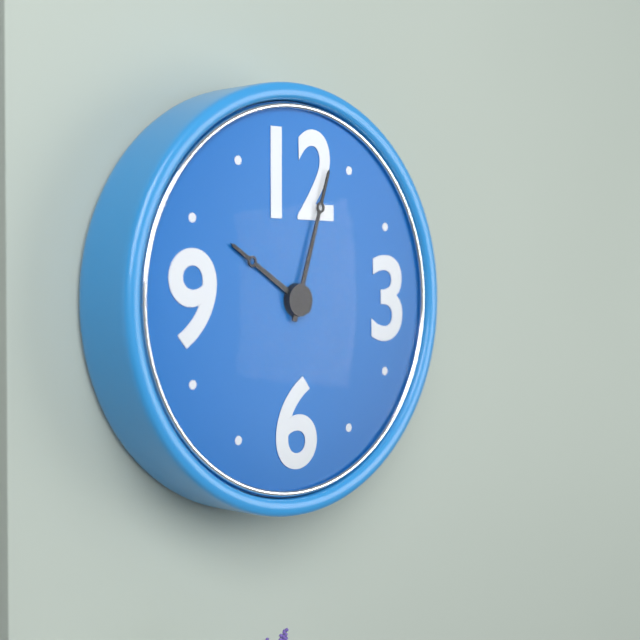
10,03
